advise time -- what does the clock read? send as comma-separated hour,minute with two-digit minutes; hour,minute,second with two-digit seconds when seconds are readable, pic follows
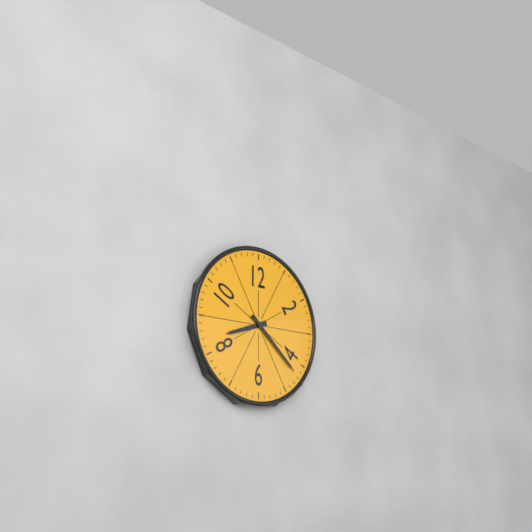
8,22
